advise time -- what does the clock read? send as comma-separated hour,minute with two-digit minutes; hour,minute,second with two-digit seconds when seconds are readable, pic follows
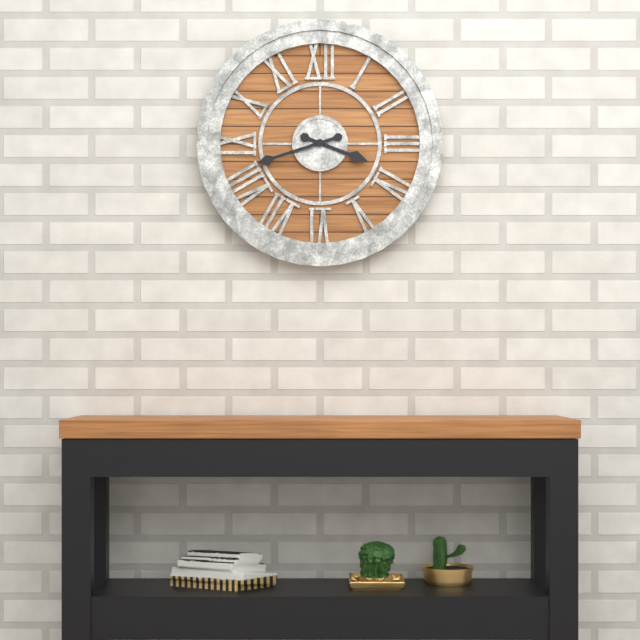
3,42
